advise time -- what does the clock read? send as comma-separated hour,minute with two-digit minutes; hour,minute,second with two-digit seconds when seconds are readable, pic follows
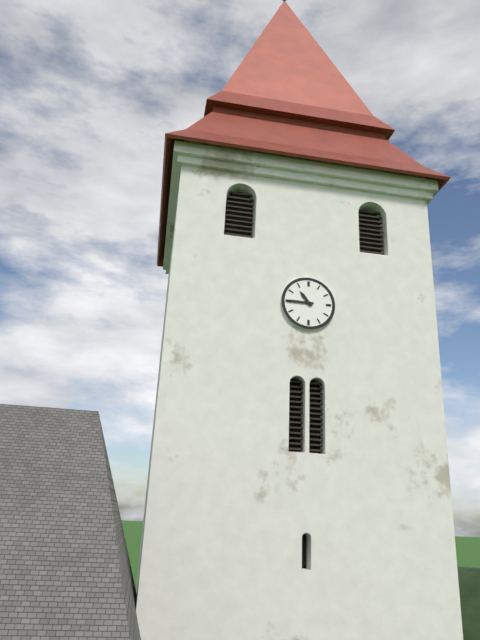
10,45
